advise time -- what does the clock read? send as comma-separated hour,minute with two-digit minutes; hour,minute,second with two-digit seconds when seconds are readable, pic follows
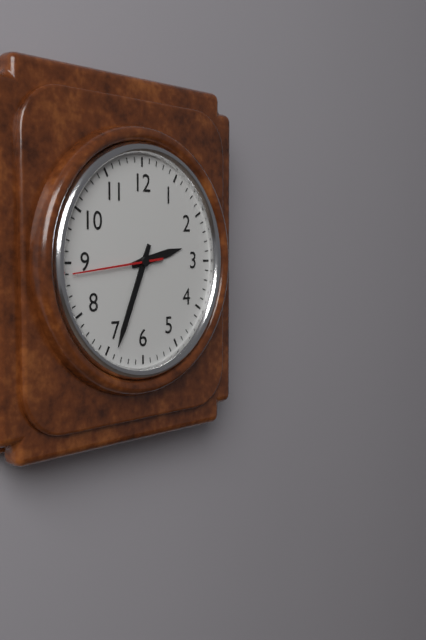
2,34,44
